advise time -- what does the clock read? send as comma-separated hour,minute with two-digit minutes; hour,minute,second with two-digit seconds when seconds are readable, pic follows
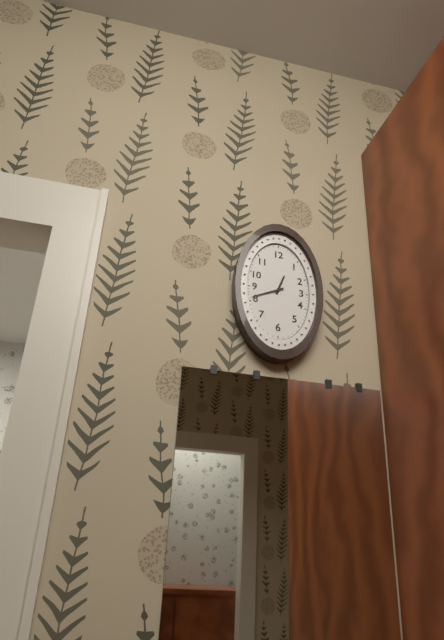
12,41
